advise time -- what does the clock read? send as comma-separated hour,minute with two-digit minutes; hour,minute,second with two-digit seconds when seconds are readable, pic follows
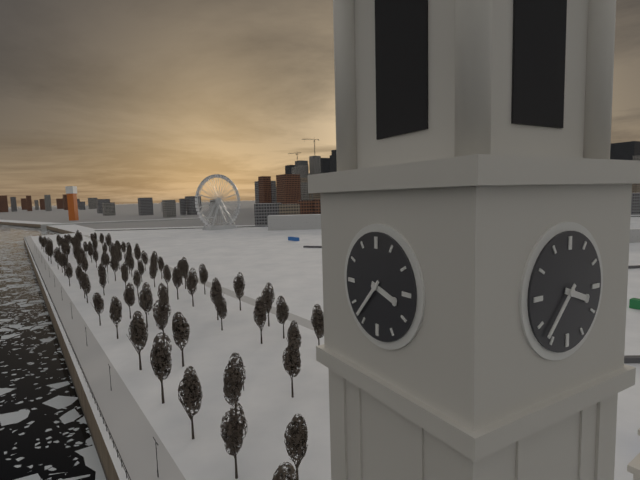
3,37
